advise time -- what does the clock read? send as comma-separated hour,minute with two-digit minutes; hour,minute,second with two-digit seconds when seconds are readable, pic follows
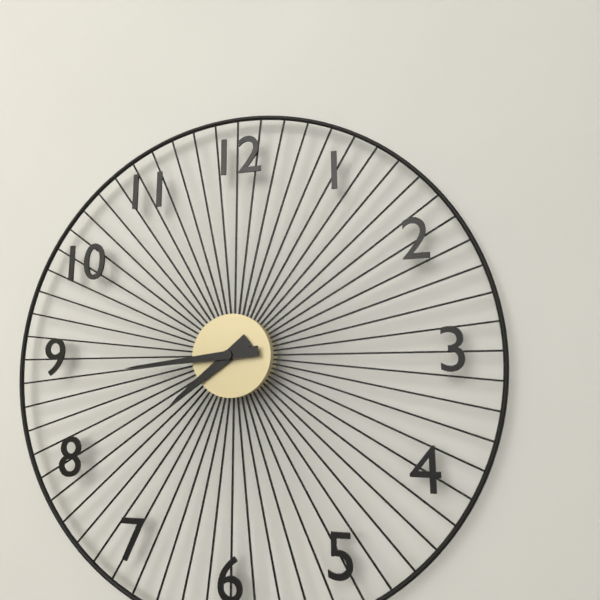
7,44
